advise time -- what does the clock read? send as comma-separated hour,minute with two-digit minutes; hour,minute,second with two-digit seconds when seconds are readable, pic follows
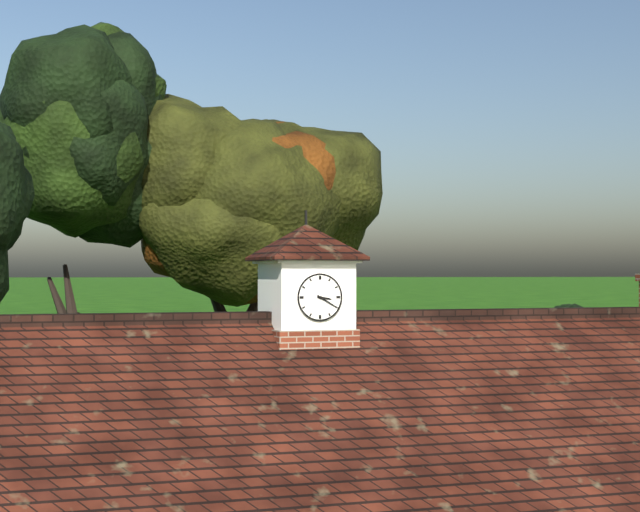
3,20
